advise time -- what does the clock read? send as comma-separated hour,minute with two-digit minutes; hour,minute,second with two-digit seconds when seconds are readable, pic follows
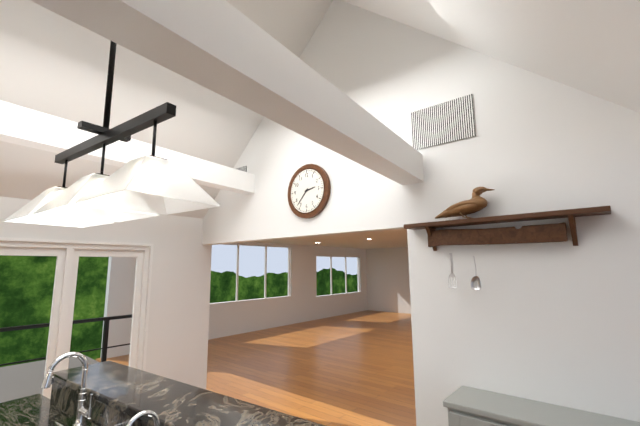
2,37
